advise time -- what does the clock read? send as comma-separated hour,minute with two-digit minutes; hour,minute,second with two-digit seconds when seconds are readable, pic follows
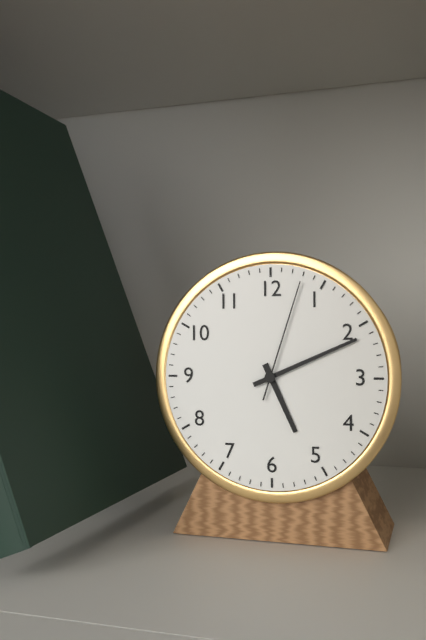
5,11,03
